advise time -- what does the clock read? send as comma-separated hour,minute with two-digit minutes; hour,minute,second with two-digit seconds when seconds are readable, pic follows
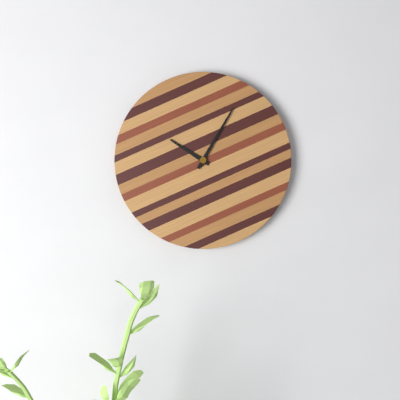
10,05
